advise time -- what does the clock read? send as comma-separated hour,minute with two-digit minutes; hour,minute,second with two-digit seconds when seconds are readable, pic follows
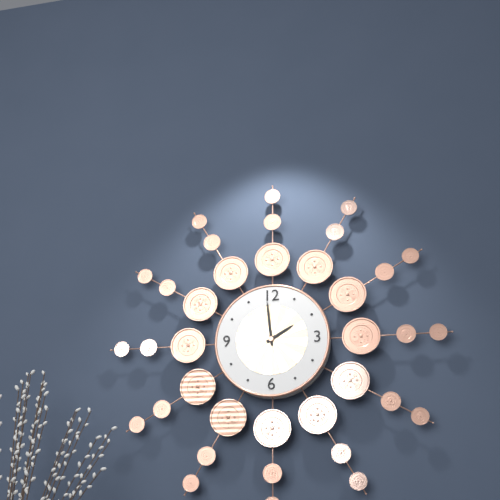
1,59
